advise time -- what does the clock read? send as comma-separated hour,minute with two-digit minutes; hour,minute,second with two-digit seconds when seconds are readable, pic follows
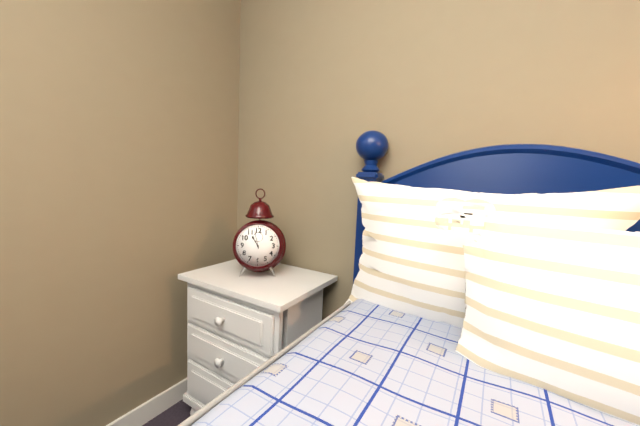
10,58
